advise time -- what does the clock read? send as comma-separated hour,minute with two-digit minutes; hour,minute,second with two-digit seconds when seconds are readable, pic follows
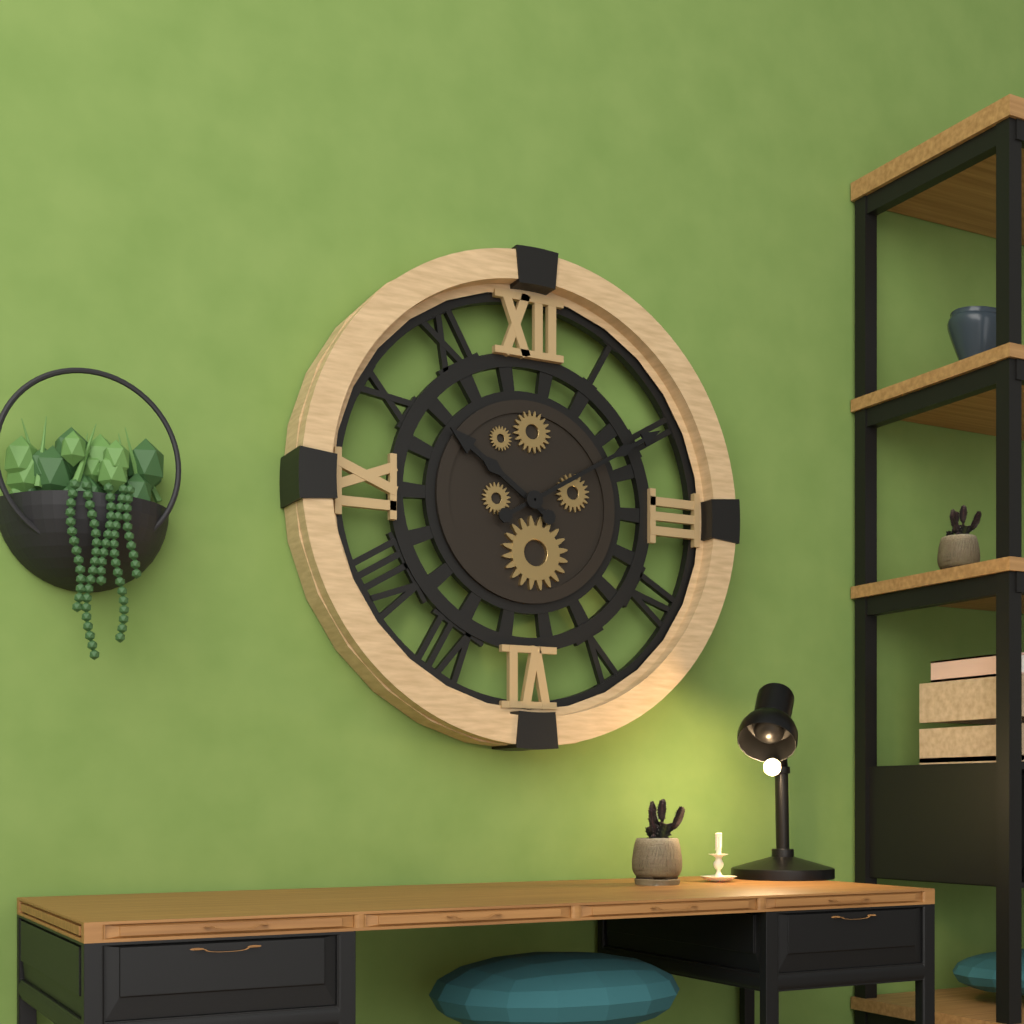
10,10
